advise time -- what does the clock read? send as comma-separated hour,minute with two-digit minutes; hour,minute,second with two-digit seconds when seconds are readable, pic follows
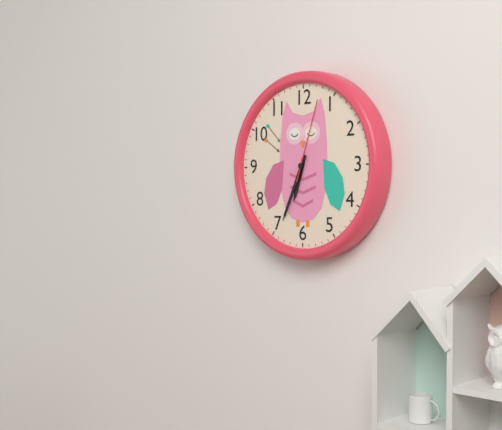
6,34,03
